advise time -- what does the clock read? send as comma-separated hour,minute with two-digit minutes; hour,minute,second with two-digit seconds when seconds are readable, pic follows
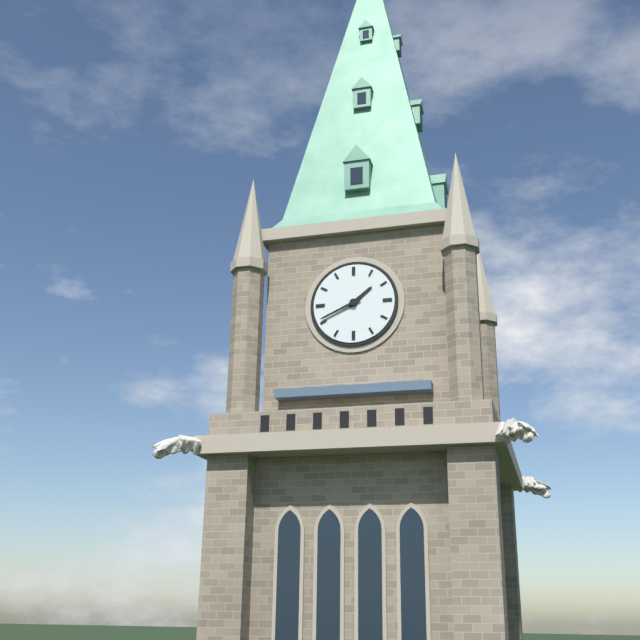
1,41
